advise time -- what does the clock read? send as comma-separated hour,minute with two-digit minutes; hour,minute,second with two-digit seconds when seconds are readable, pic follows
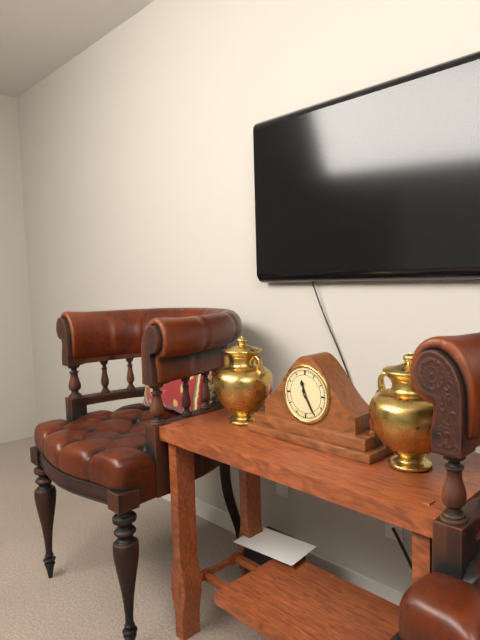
11,25
